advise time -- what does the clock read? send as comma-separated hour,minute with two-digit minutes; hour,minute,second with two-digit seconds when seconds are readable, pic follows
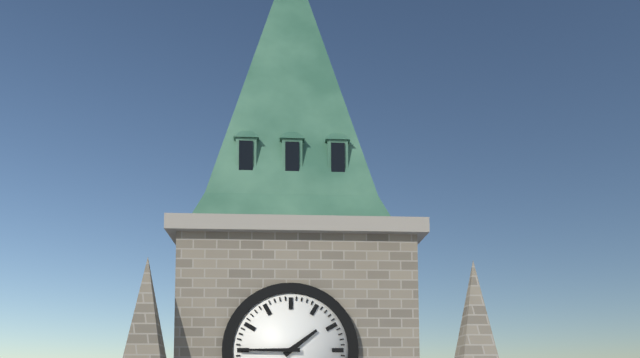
1,45
